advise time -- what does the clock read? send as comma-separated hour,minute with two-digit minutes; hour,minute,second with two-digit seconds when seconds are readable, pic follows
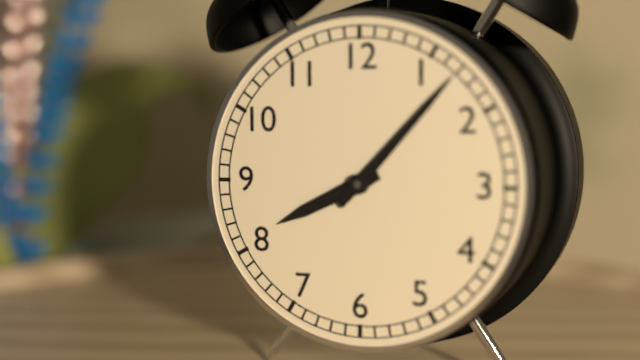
8,07
